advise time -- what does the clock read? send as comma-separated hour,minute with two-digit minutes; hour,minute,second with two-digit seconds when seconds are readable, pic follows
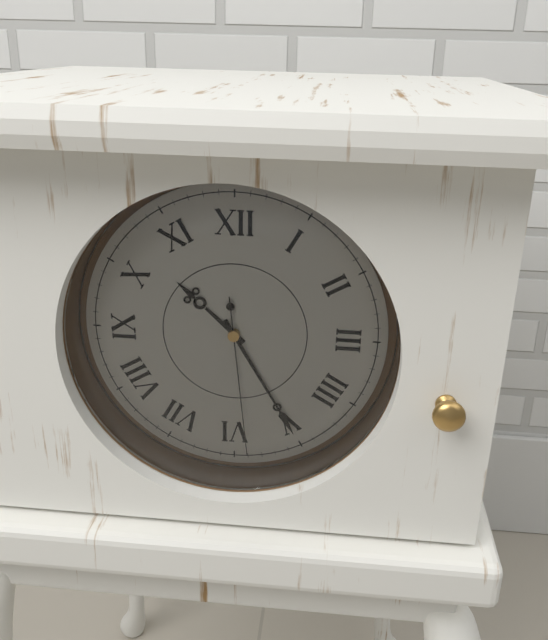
10,25,29
